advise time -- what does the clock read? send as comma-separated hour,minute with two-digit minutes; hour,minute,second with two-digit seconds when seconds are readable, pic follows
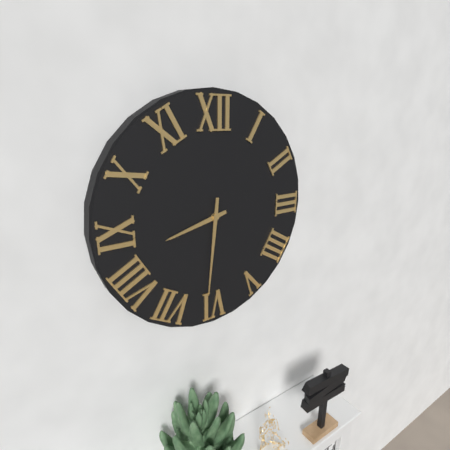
8,31
